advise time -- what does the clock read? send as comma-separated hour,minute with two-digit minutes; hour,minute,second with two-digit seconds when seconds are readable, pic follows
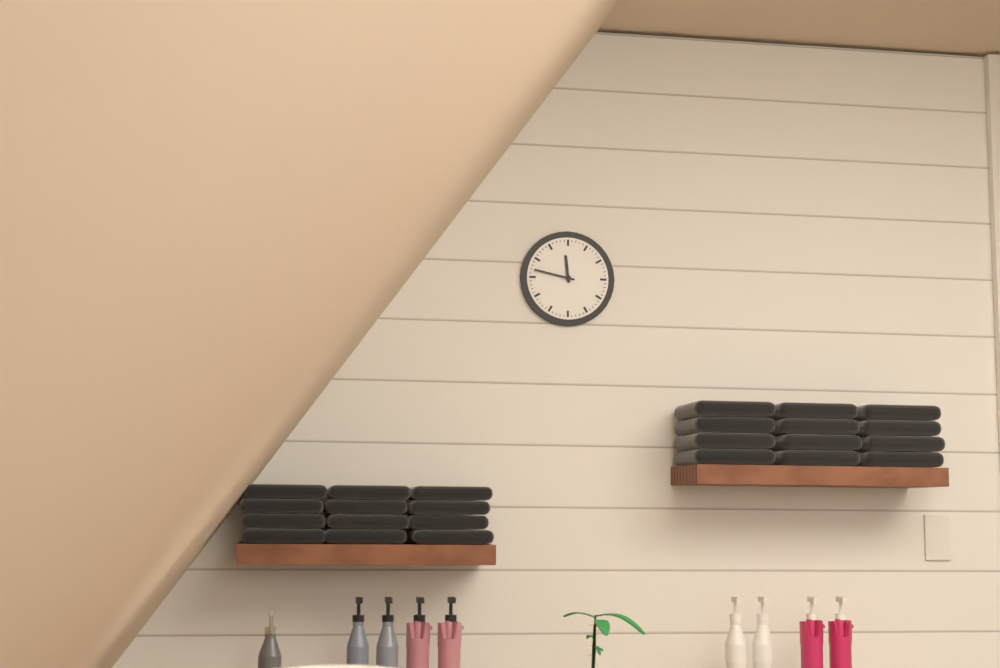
11,47
